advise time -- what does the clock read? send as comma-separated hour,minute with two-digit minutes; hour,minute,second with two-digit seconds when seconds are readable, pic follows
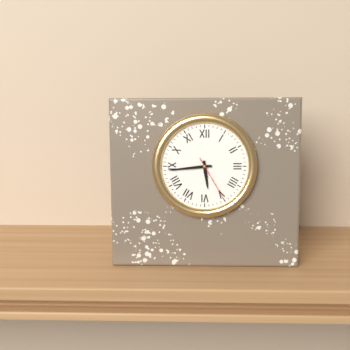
5,44,25
